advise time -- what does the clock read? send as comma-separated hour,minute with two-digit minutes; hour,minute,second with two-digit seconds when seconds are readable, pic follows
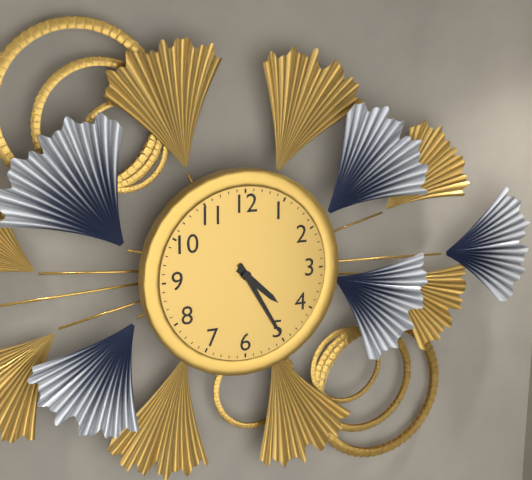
4,25
